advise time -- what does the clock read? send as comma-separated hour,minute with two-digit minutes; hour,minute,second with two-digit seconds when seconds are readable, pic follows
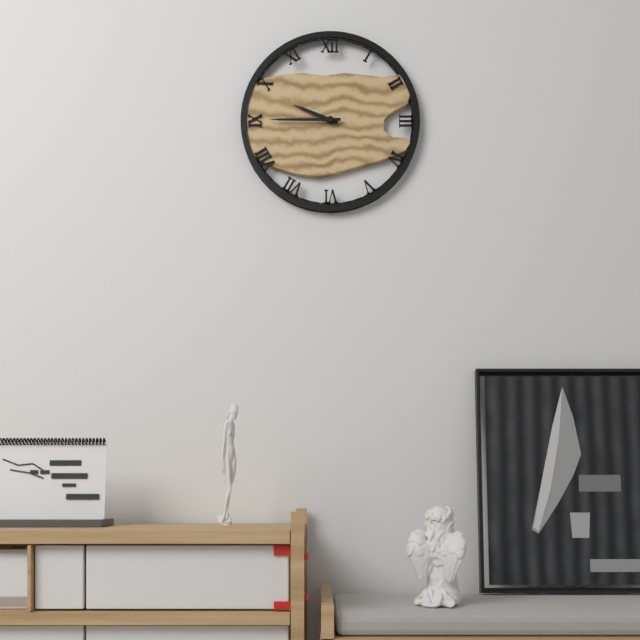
9,45
